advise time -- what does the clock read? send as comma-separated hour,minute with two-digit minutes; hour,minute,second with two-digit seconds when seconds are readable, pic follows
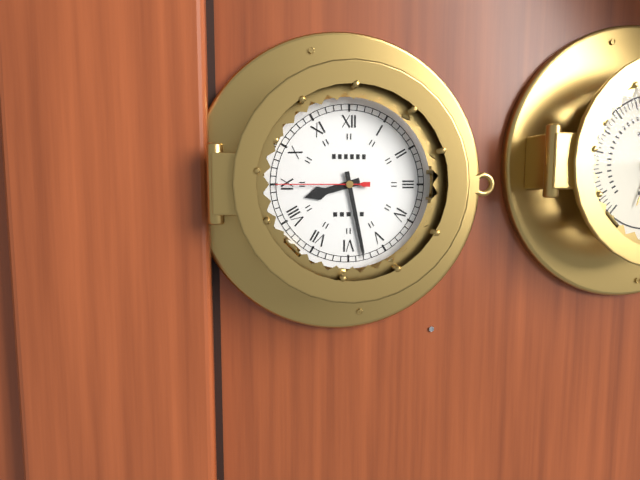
8,28,45
